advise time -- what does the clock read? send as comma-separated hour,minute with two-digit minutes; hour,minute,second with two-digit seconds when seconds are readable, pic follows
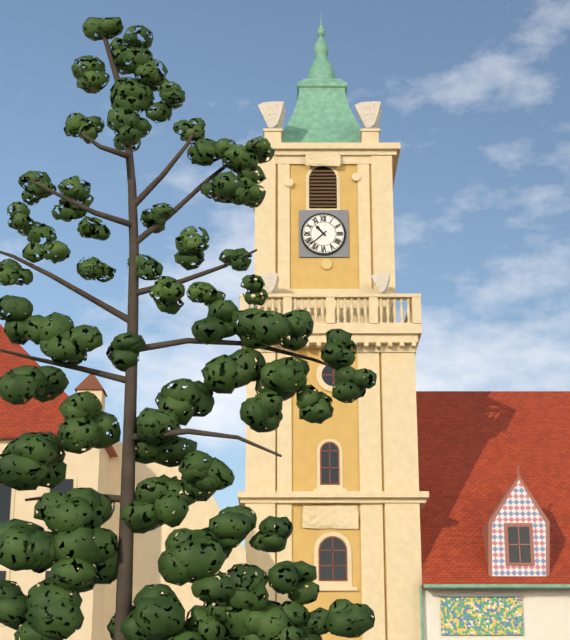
10,38
